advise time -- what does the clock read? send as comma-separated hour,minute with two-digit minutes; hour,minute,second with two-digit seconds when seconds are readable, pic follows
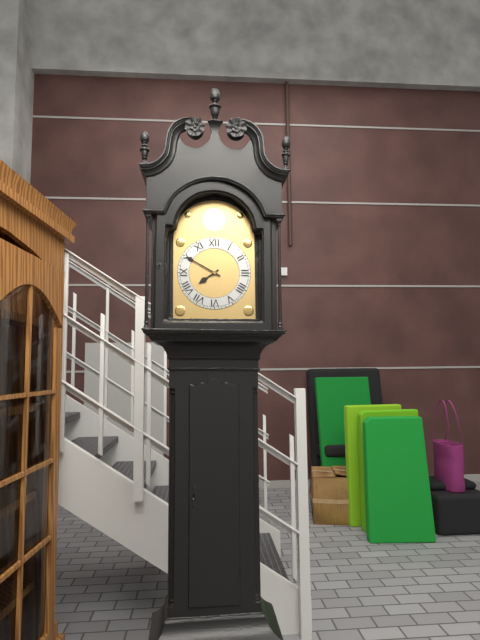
7,50
